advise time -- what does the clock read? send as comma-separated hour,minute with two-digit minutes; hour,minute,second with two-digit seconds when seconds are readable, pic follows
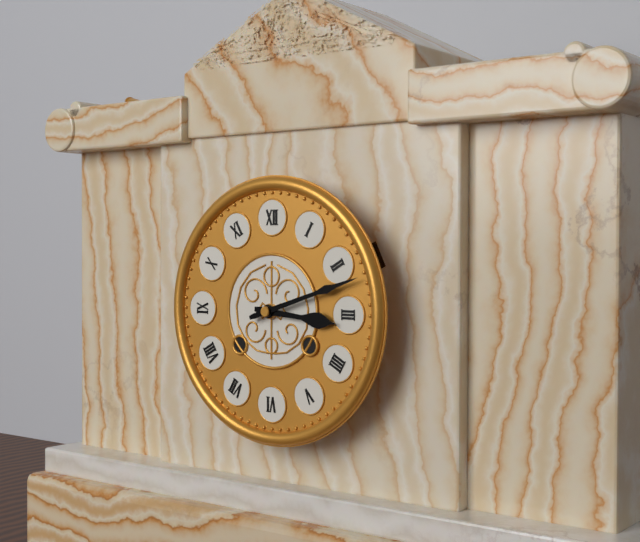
3,12
